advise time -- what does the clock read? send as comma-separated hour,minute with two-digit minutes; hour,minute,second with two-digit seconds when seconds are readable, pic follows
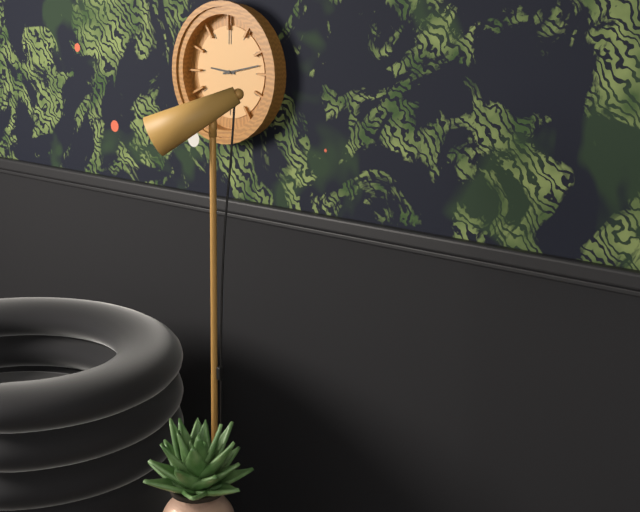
9,13
